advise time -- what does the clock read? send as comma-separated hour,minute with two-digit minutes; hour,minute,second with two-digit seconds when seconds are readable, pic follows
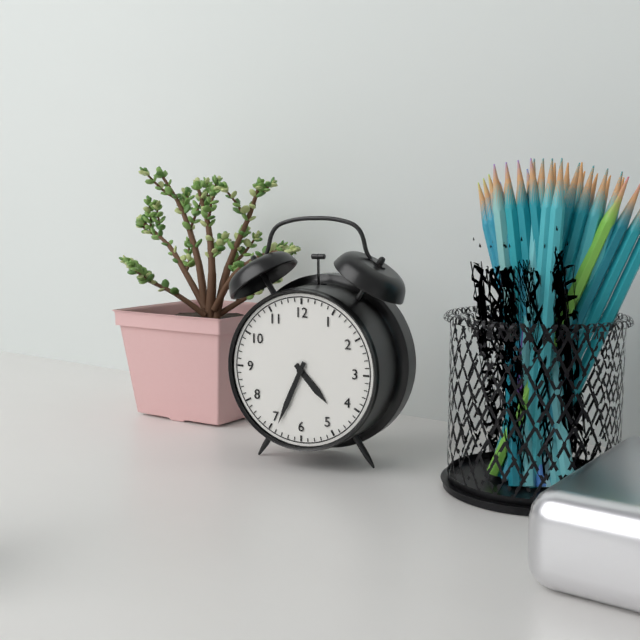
4,34
